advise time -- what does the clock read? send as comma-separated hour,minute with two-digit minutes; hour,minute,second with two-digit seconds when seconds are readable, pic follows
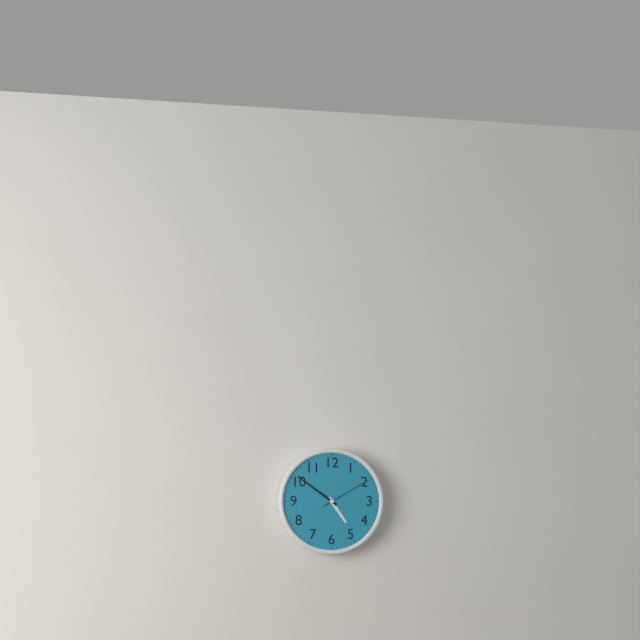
4,51,10
